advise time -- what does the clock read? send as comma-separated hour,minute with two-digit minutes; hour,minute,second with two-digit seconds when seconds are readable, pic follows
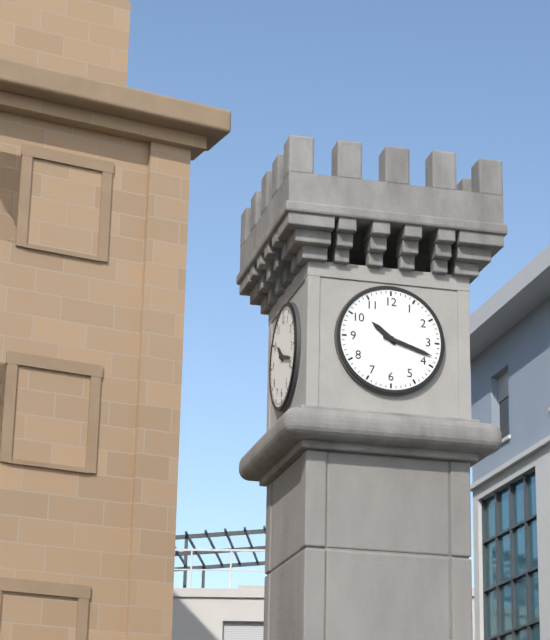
10,18
